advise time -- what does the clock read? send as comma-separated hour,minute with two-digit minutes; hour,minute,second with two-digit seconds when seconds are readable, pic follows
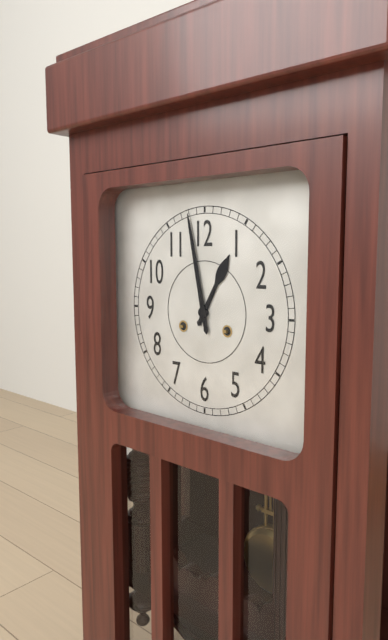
12,58
